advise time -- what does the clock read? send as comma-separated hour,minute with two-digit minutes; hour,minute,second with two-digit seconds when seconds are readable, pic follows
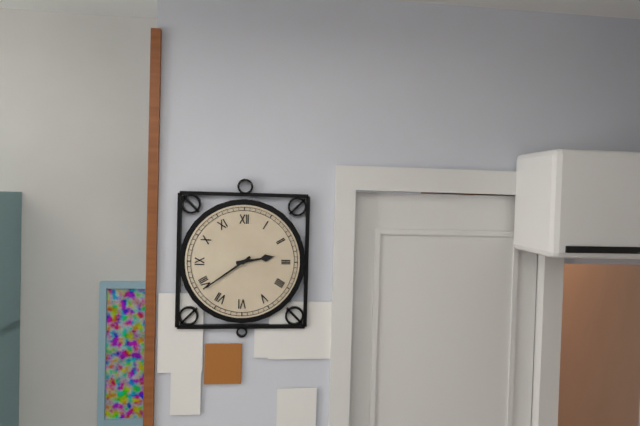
2,39
